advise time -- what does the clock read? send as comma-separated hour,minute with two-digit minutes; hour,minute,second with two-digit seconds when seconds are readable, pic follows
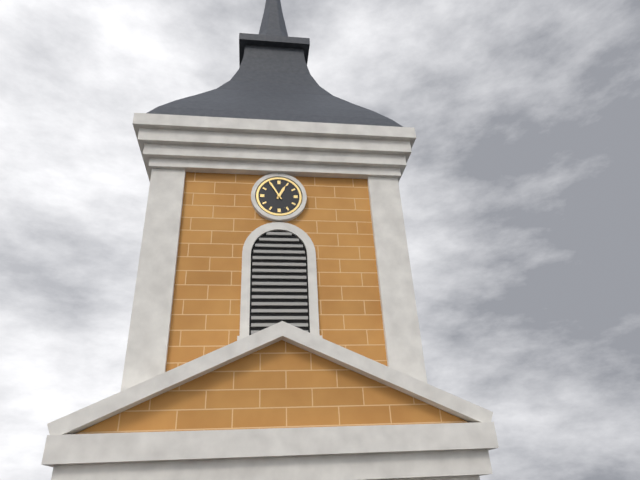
12,55
